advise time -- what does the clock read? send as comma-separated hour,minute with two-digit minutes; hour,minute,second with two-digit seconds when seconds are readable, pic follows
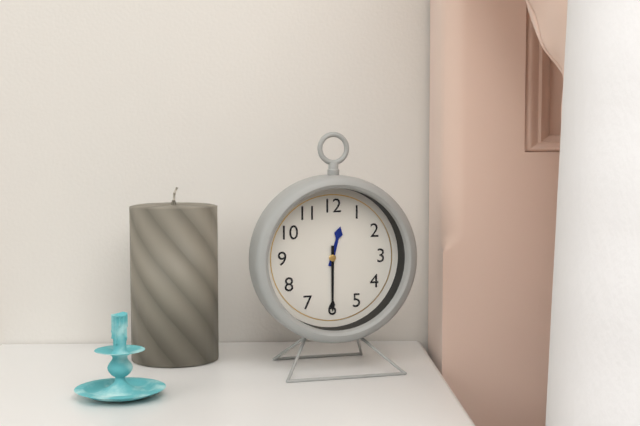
12,30
